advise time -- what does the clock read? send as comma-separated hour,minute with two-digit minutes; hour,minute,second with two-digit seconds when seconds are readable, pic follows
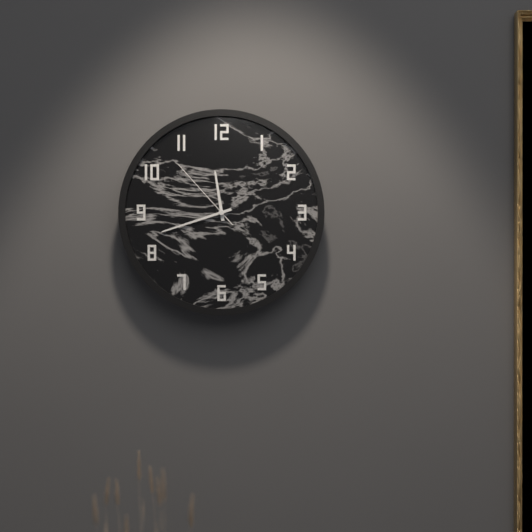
11,42,53
